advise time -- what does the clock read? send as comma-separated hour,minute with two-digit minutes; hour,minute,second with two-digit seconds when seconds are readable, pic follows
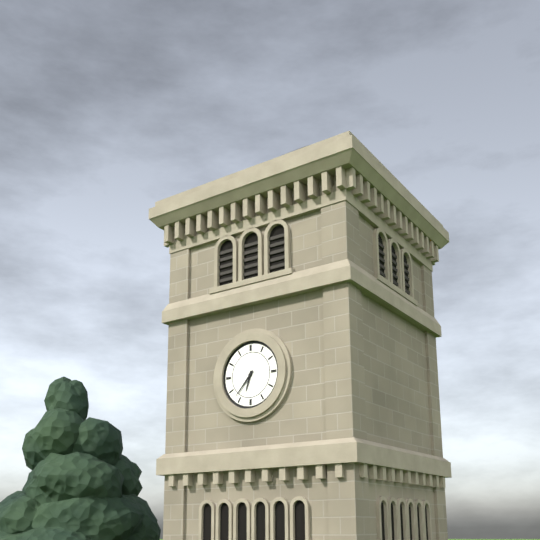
6,37
